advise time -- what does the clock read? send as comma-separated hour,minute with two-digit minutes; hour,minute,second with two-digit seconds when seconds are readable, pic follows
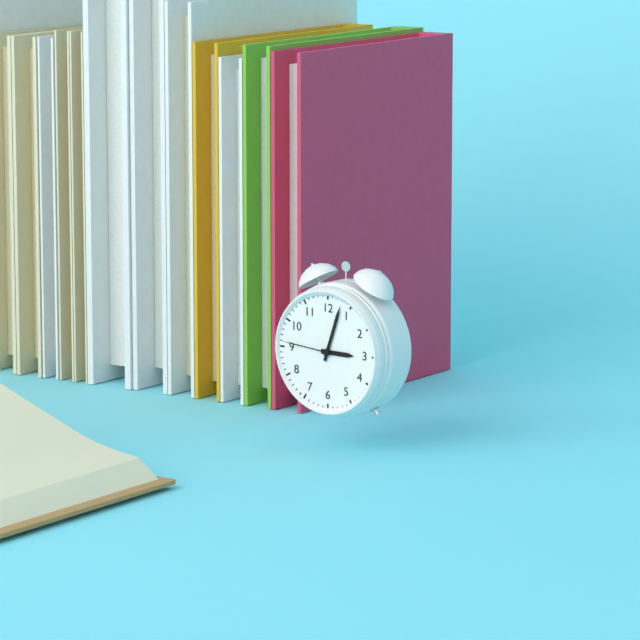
3,03,46
